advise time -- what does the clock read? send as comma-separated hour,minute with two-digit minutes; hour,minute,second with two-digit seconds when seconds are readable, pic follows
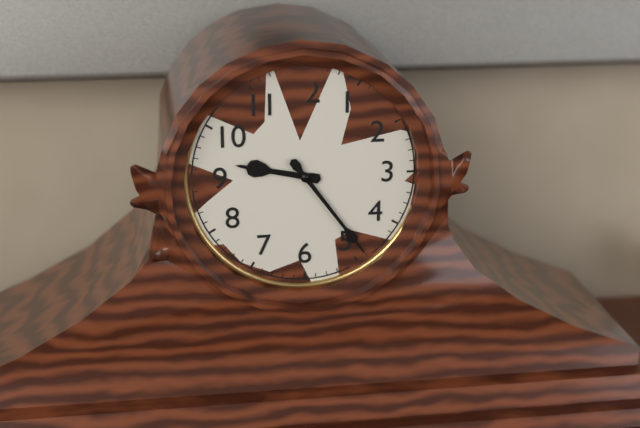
9,24
